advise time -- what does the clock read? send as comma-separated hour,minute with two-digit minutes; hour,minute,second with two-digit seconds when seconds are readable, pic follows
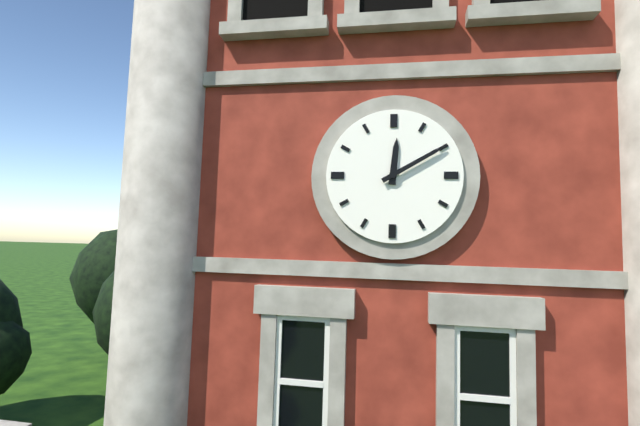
12,10
